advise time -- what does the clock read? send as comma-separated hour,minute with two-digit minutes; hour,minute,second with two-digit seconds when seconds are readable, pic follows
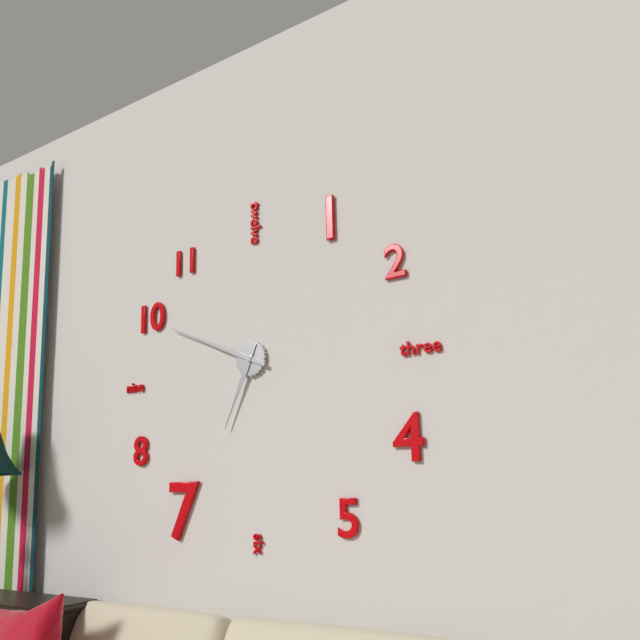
6,49
